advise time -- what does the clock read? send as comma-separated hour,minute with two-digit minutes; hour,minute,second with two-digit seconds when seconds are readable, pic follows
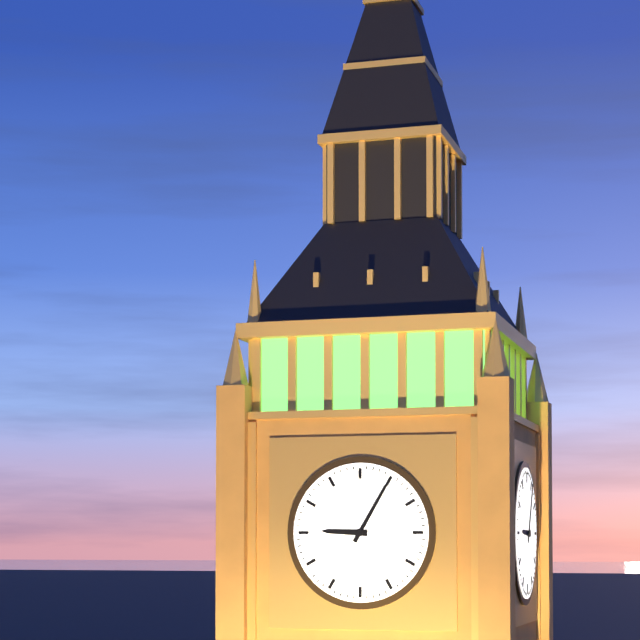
9,05
